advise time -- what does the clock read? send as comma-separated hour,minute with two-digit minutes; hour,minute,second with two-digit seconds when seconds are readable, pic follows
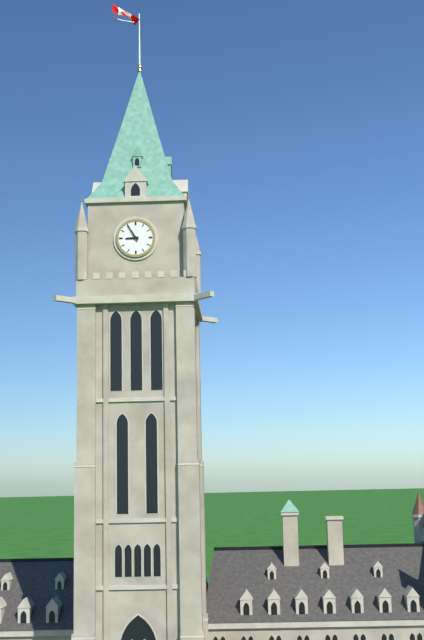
8,55
